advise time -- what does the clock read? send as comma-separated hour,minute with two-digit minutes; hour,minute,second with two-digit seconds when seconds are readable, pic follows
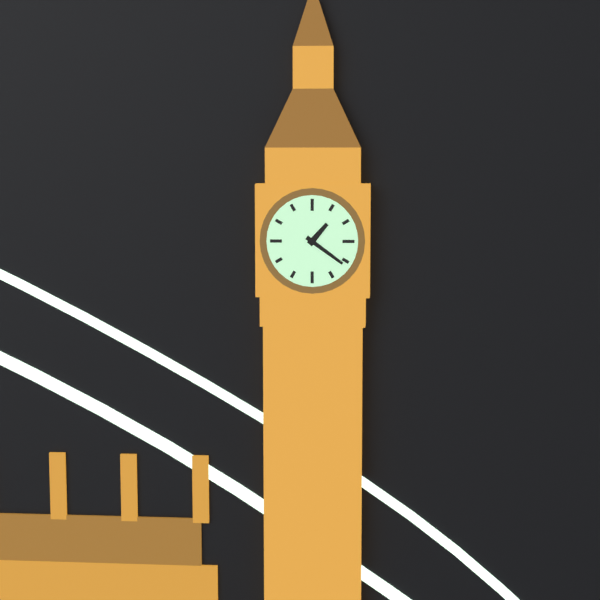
1,21
